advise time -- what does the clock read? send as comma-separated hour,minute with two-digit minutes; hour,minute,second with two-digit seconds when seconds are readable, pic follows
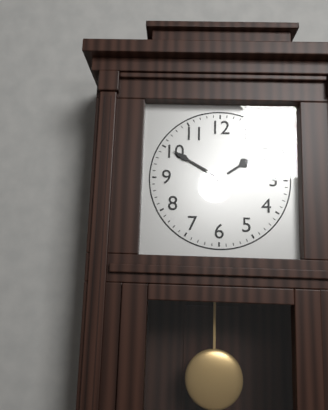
1,50
